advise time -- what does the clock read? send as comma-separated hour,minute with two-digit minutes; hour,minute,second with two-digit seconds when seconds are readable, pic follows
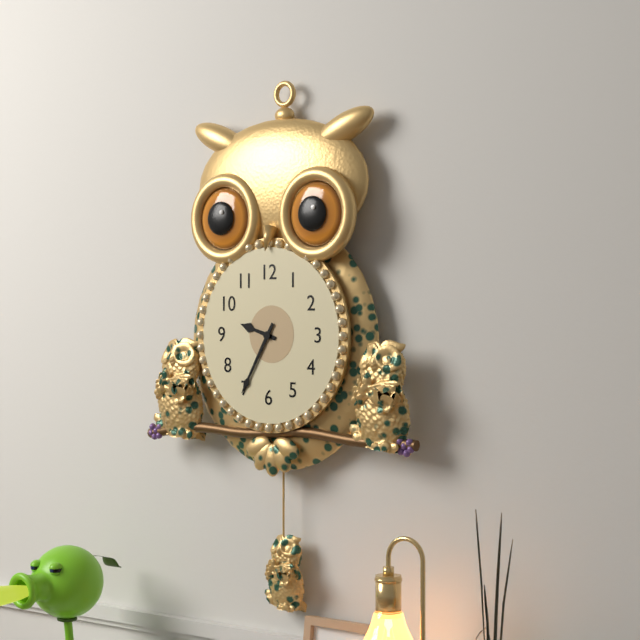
9,35
